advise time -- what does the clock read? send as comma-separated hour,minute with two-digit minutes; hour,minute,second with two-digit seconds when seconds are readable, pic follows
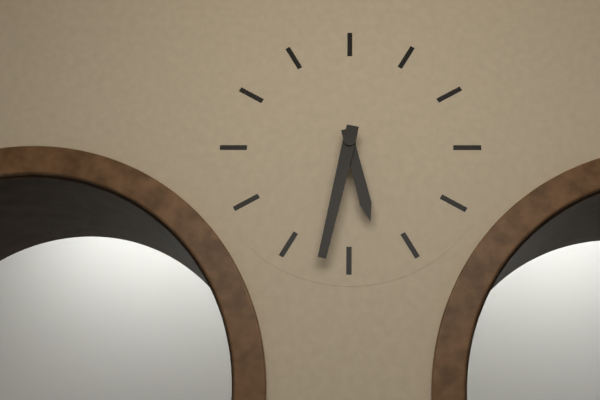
5,32
